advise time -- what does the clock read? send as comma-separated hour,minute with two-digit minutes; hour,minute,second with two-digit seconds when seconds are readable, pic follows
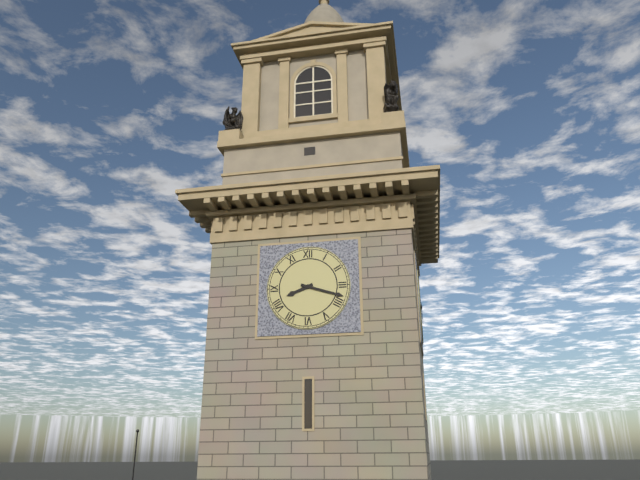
8,18
